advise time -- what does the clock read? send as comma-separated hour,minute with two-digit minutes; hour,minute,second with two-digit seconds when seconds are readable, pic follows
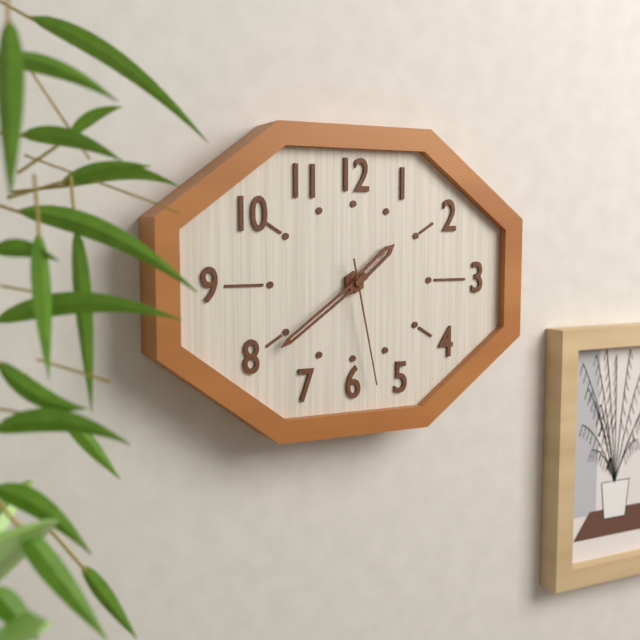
1,39,28
